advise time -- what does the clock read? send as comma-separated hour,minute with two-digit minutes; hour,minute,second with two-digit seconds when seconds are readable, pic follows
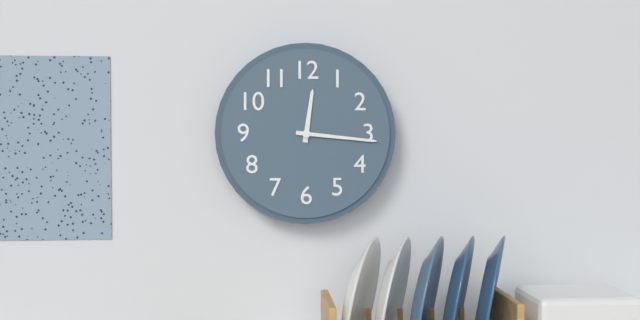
12,16
